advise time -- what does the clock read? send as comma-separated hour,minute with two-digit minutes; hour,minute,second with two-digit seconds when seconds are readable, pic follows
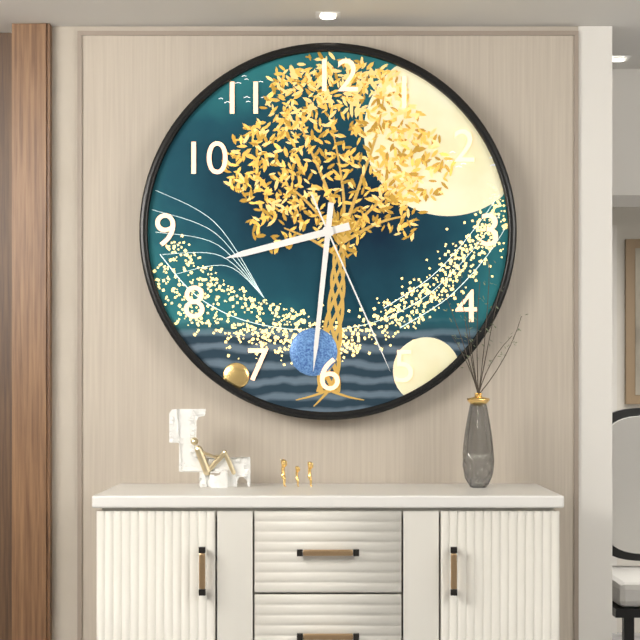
8,31,26
